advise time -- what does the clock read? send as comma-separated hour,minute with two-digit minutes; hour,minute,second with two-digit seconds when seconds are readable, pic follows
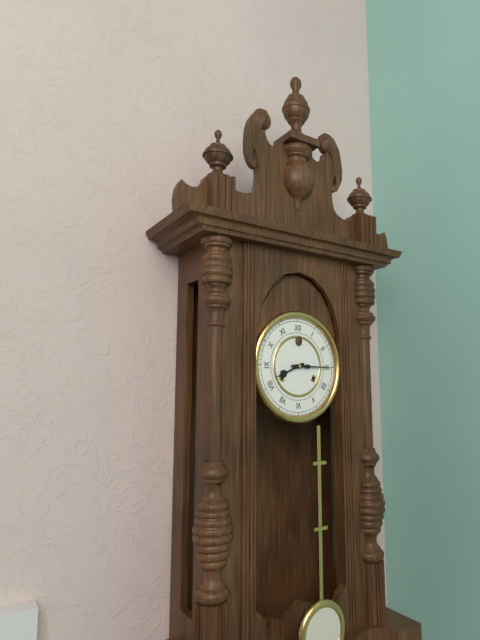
8,15
